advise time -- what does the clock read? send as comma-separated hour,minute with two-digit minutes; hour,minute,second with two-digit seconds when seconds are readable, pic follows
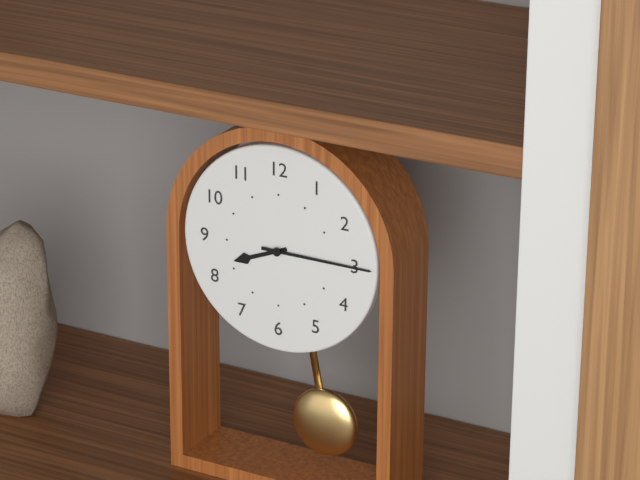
8,15
